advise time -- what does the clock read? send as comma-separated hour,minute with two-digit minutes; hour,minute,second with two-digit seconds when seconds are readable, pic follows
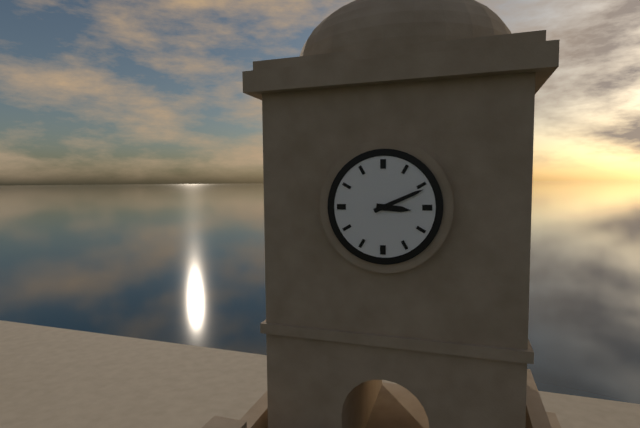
3,11
